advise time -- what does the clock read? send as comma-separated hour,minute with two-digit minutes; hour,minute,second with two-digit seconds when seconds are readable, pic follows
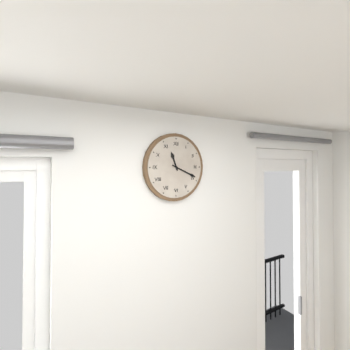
11,19
